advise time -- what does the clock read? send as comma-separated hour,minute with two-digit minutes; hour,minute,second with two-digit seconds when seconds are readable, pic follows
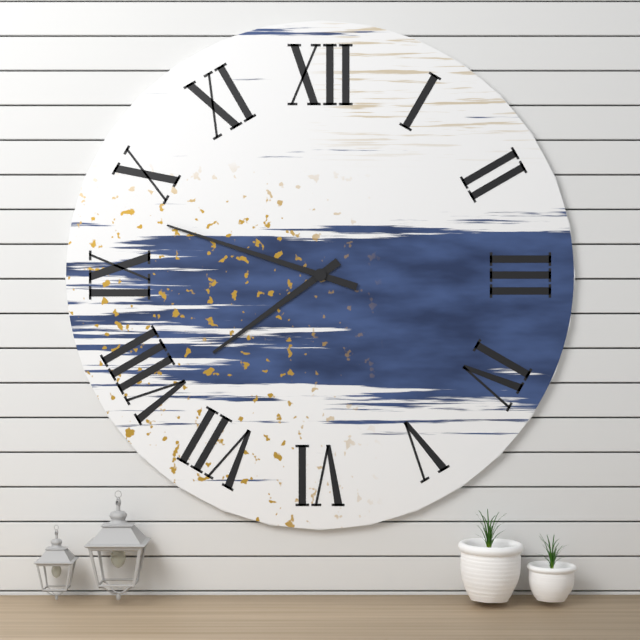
7,48
